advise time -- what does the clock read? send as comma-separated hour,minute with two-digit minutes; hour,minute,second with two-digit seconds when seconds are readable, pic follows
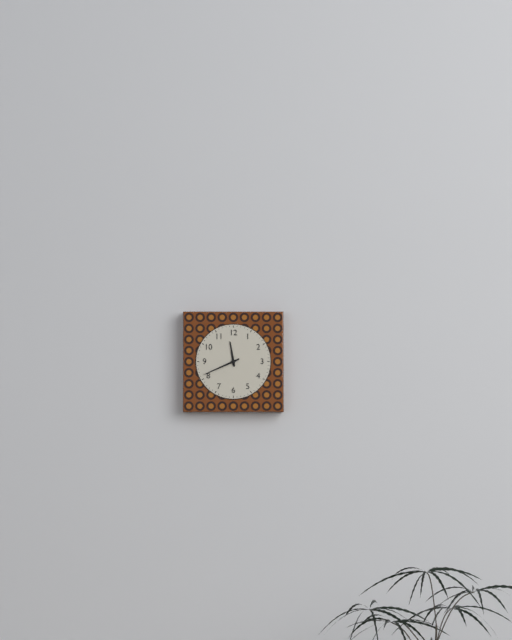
11,41
